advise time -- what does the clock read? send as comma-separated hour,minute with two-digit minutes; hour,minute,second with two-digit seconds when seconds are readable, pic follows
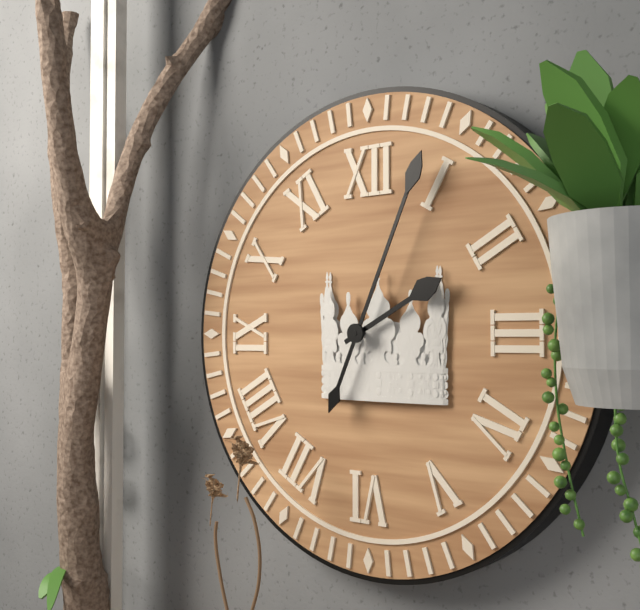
2,04
